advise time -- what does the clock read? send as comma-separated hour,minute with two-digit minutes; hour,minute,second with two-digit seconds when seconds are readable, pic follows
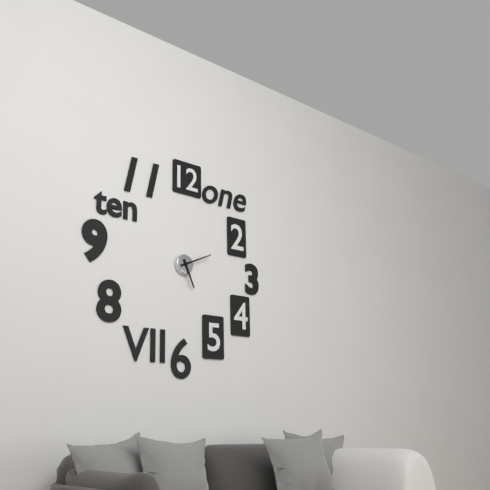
5,11
